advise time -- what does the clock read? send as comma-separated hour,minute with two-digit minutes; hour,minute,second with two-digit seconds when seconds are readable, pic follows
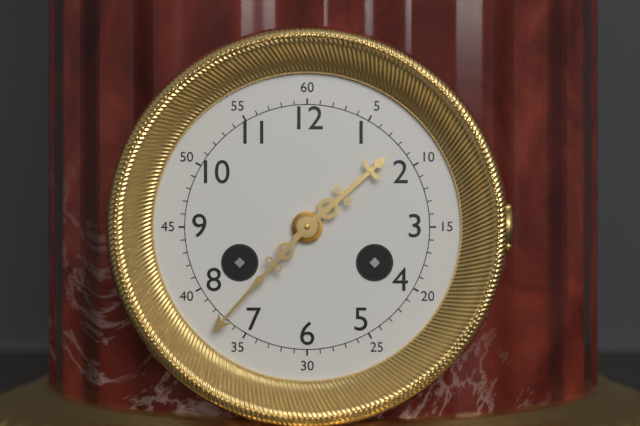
1,37
